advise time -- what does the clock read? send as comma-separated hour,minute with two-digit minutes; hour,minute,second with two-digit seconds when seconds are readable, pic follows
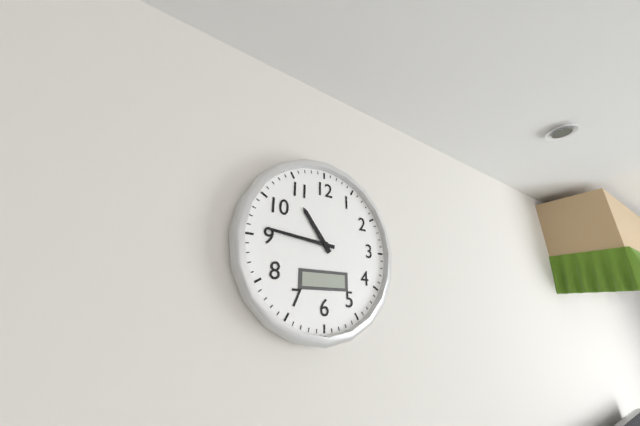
10,46
